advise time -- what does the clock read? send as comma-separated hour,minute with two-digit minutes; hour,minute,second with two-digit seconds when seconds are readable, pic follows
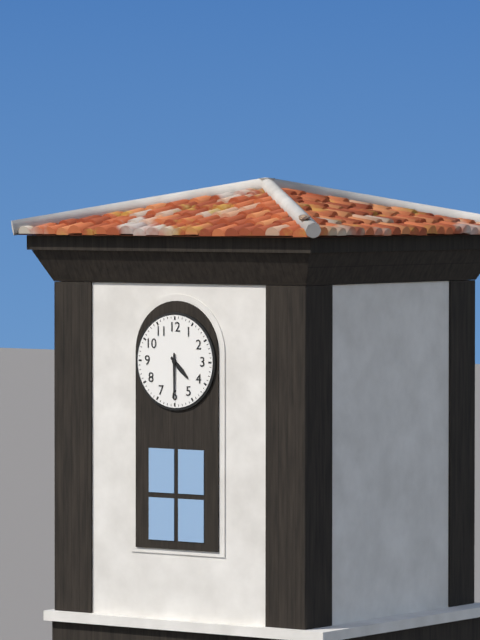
4,30
